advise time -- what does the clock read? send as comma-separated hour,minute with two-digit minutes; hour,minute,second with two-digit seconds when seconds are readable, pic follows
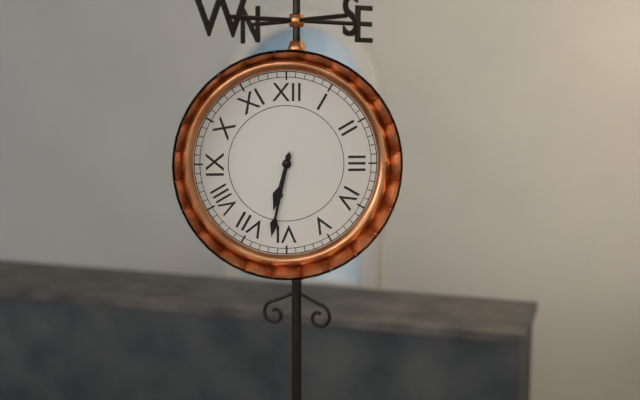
6,32
